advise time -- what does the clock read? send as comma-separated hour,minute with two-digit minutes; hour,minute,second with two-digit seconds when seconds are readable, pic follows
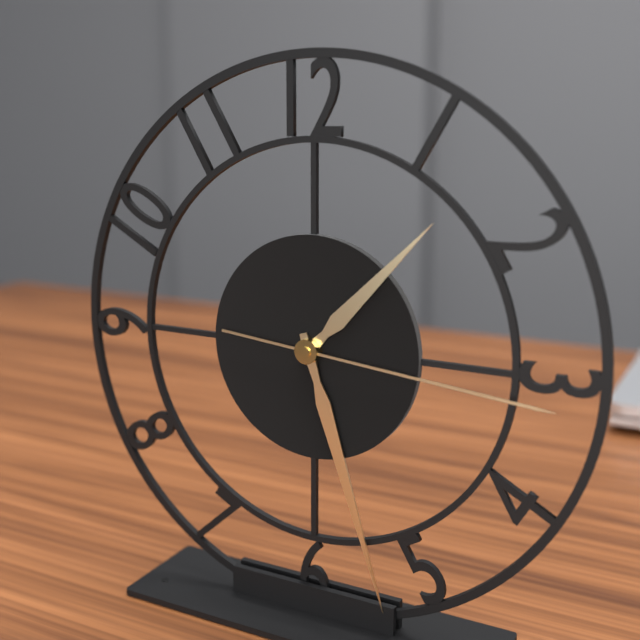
1,27,16
